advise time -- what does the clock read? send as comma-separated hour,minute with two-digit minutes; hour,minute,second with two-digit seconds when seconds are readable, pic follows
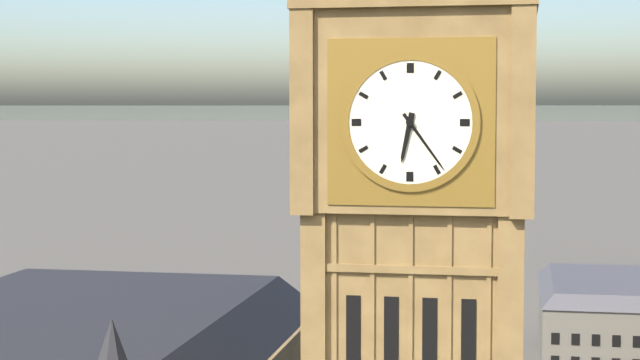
6,24
